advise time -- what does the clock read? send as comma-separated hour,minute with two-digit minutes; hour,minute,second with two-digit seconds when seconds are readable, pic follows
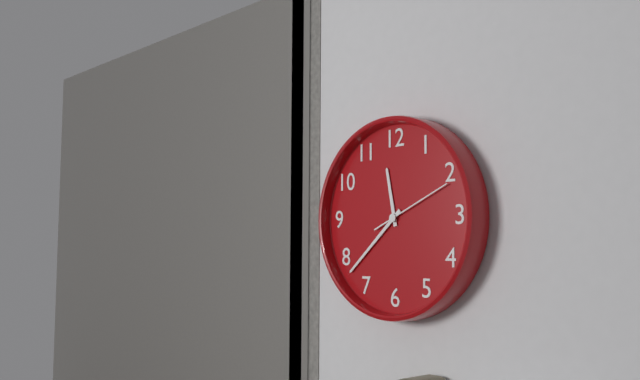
11,38,11
